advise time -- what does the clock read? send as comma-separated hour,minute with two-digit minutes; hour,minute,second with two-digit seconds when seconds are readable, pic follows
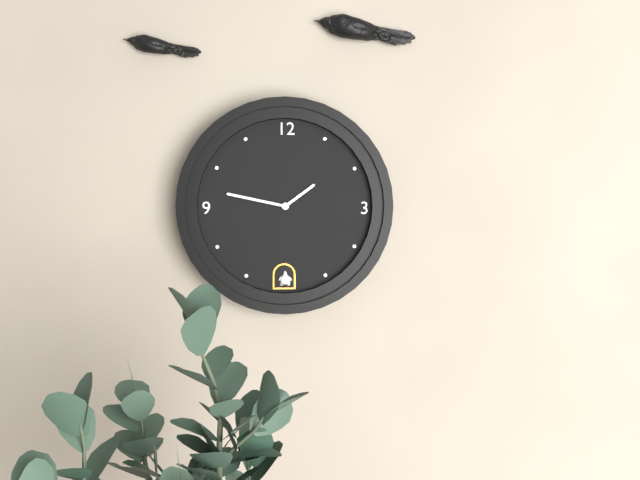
1,47
